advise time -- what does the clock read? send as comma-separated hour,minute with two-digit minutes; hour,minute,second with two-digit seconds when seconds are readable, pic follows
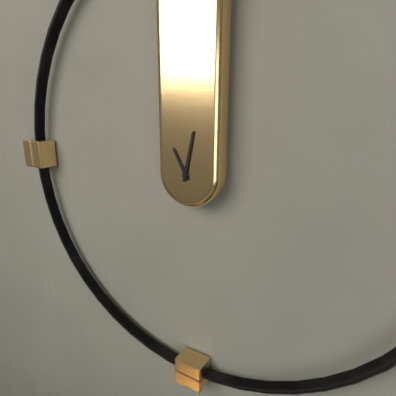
11,02
